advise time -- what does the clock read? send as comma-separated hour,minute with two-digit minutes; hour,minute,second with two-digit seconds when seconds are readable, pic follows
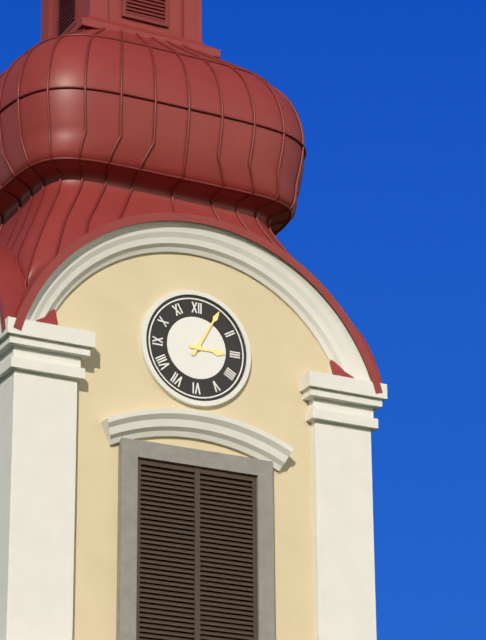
3,05
